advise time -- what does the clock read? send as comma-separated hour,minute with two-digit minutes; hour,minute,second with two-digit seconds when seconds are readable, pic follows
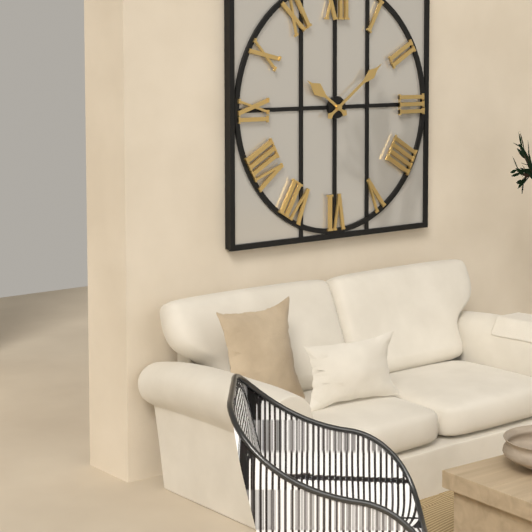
10,09
